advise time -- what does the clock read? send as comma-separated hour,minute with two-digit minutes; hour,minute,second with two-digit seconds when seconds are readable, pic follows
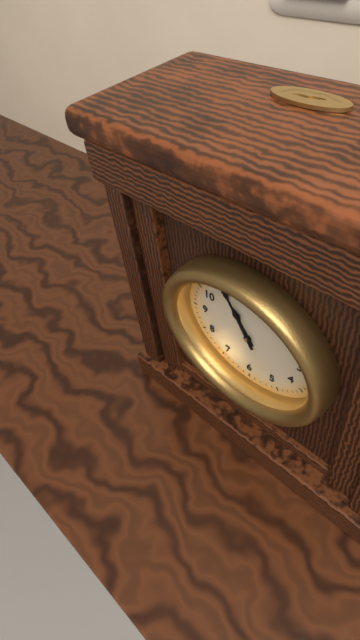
10,55
